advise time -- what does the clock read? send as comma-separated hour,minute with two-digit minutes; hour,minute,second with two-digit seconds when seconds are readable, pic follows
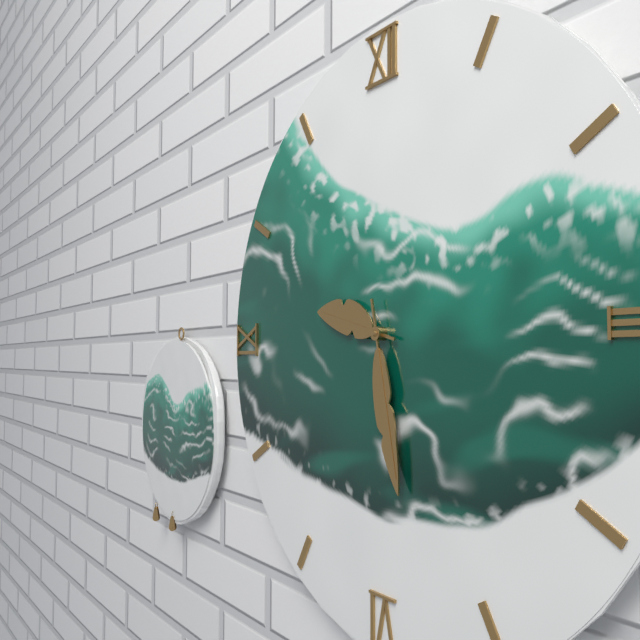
9,28
